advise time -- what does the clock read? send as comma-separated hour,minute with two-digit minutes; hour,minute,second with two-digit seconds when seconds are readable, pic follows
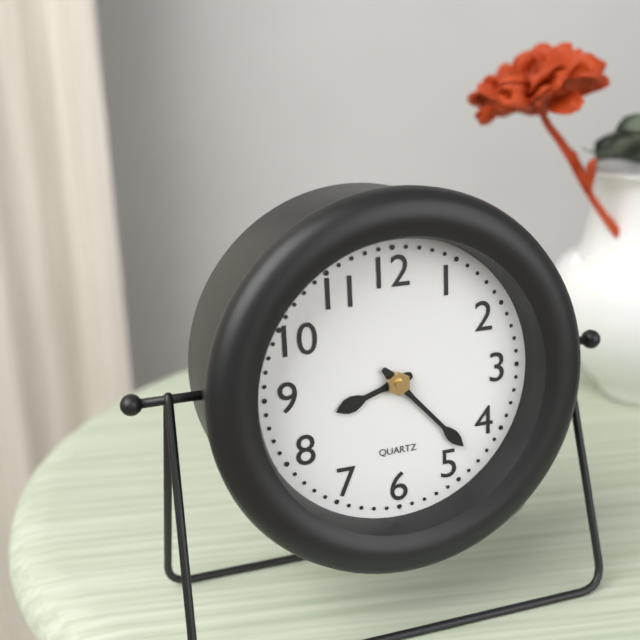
8,23
